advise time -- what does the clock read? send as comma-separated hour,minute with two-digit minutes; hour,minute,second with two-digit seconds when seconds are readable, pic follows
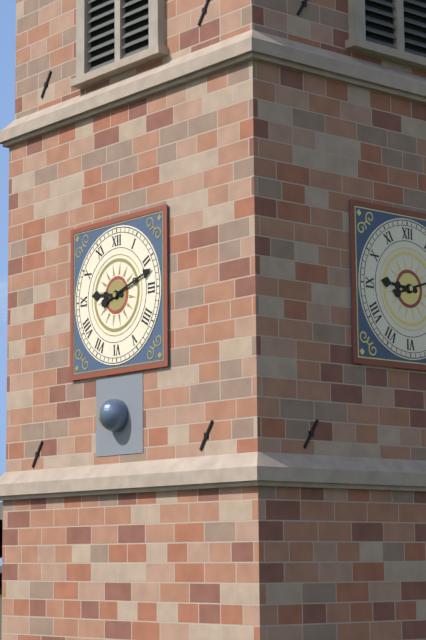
9,12
